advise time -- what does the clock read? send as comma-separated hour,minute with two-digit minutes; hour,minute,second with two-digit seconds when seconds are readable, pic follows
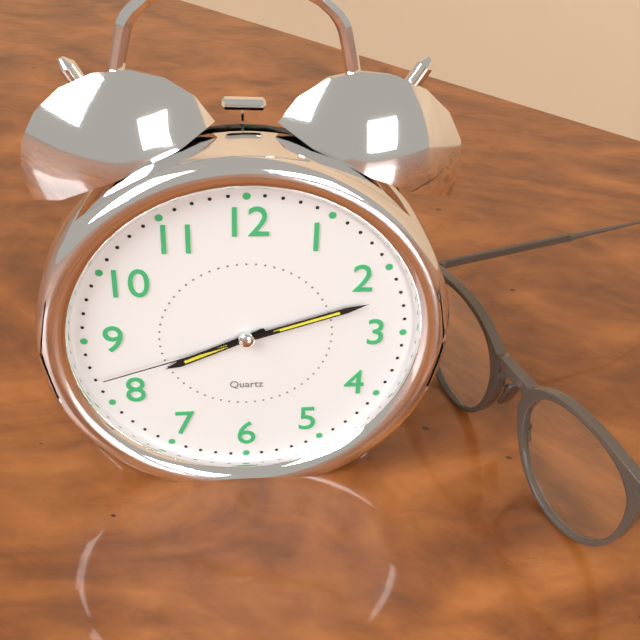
8,12,42
